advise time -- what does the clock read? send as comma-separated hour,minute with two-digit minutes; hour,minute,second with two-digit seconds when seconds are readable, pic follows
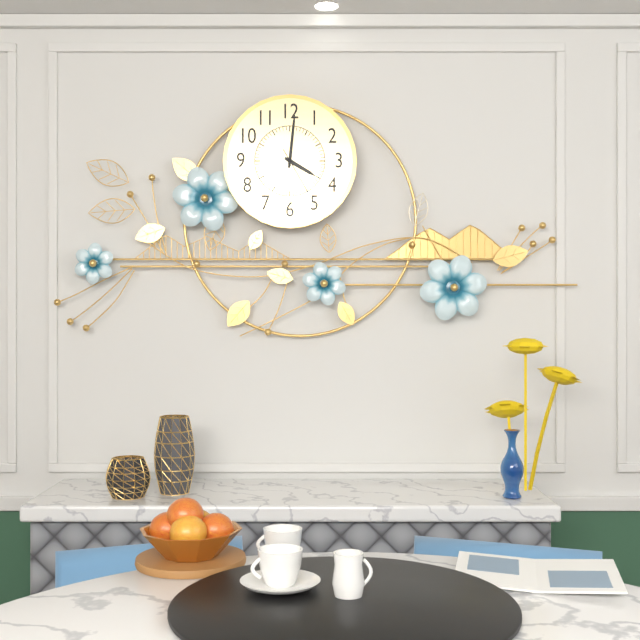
4,01,25
